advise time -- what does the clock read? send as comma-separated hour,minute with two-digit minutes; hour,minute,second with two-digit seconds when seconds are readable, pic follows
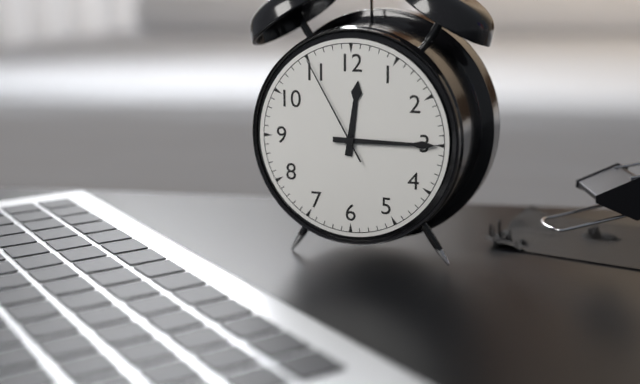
12,15,55
